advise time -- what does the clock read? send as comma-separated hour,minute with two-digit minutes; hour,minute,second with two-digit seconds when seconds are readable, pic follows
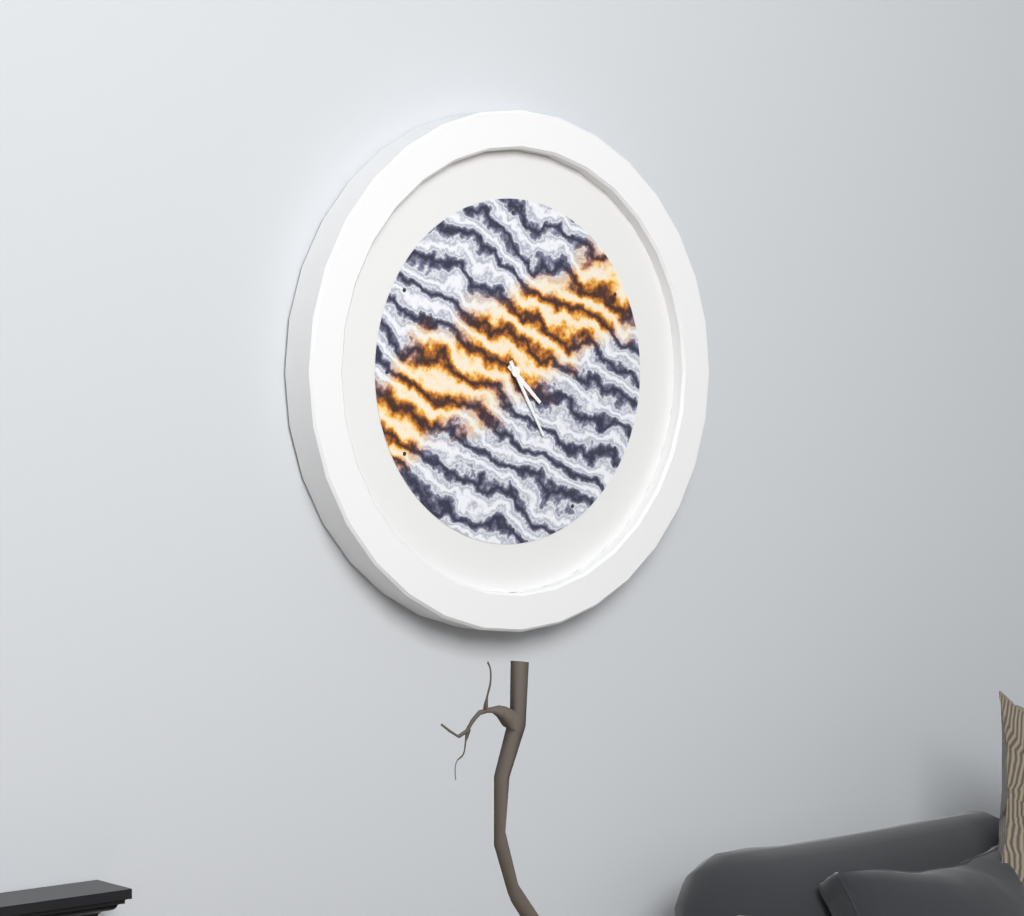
4,25
